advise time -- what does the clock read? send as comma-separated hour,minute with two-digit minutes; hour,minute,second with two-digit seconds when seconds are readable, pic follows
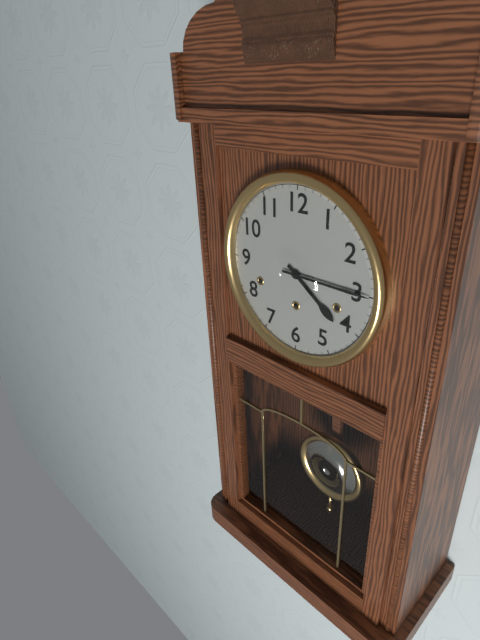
4,15
